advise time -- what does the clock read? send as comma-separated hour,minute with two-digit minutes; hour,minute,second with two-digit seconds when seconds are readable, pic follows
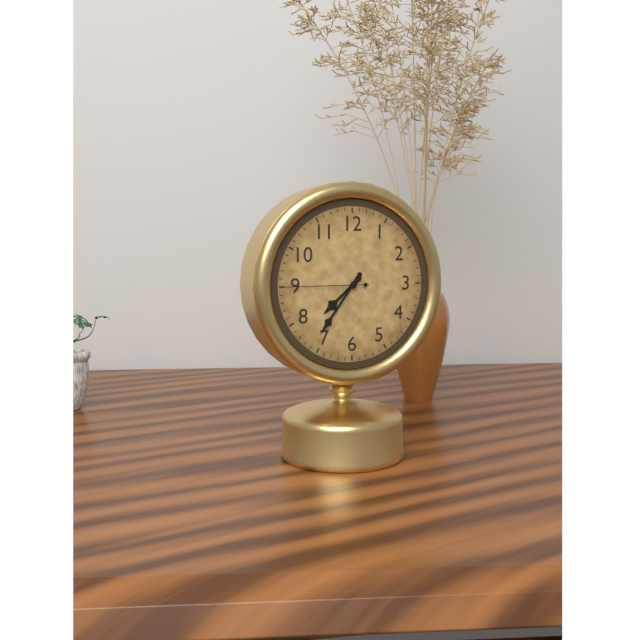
7,36,45
